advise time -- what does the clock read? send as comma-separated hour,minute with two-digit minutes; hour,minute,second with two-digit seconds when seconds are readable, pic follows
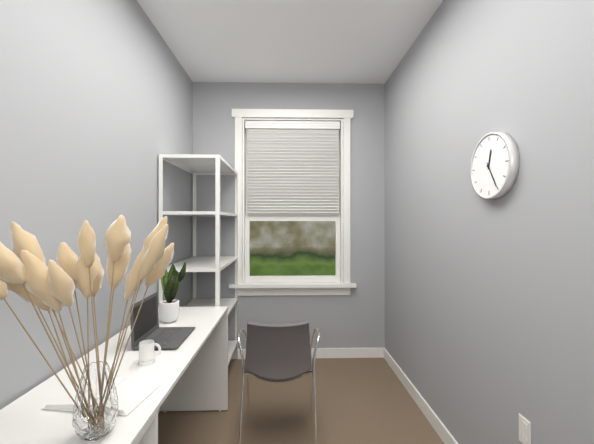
12,25
